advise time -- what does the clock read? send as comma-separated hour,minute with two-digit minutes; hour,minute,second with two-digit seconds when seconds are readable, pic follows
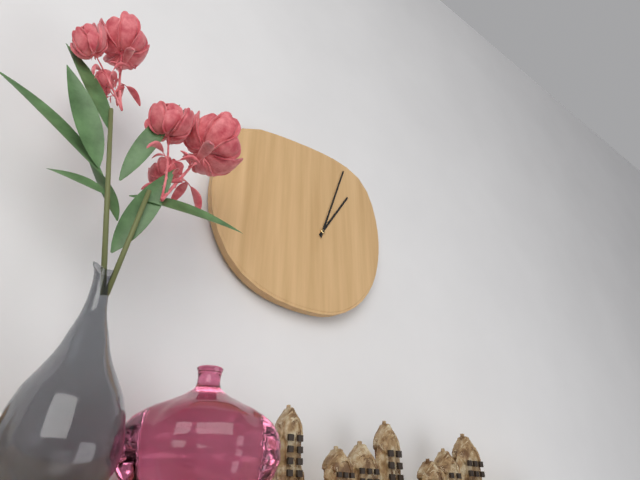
1,03
